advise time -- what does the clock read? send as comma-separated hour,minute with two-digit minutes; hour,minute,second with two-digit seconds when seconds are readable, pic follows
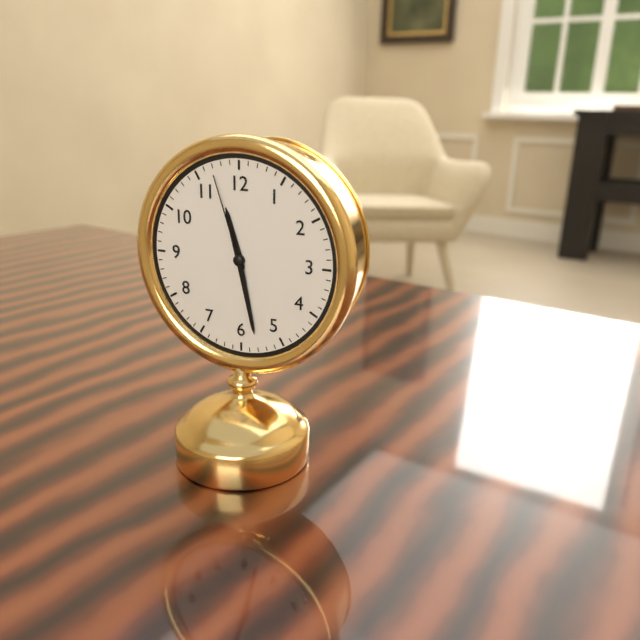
11,28,57
